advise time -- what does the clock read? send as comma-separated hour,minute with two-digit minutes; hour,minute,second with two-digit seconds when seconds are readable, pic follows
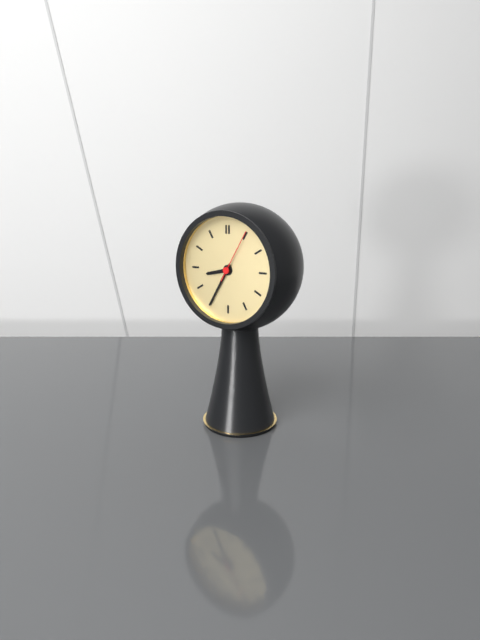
8,35,05
